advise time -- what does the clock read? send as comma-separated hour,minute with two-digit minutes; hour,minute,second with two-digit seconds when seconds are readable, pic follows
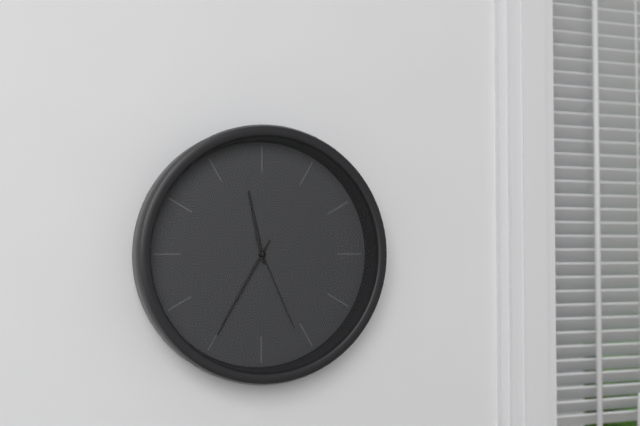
11,35,26
